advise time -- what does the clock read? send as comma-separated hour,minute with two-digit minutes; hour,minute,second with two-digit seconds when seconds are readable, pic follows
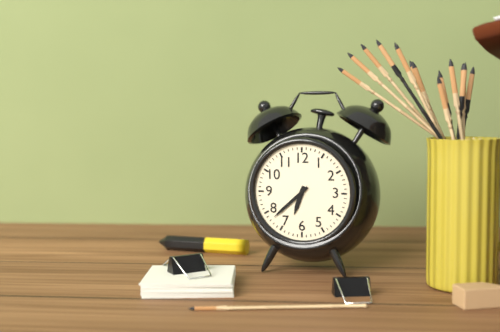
6,38
